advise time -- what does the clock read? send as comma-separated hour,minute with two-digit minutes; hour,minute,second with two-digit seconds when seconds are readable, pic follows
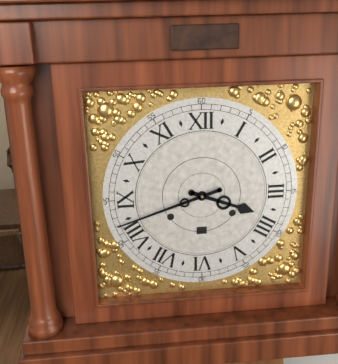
3,42
